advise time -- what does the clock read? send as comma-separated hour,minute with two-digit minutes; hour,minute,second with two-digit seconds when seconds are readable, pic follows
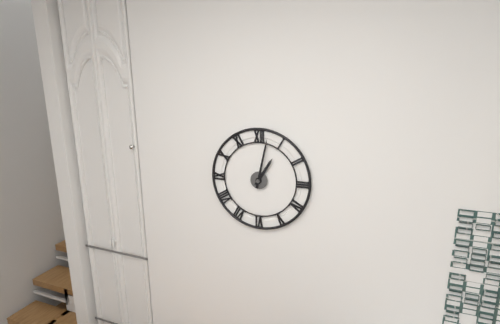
1,02
